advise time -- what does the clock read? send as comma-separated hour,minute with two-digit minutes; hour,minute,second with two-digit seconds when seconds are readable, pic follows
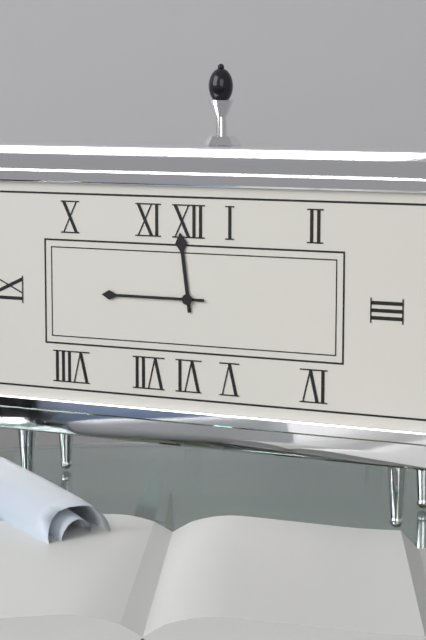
11,45
